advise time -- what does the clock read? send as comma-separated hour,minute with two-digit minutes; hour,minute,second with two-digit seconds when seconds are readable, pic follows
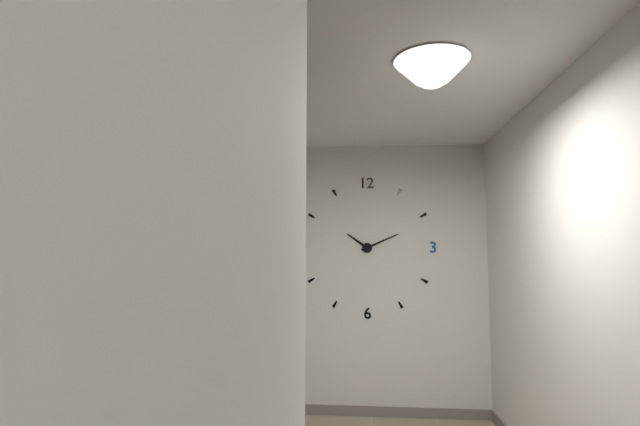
10,11
